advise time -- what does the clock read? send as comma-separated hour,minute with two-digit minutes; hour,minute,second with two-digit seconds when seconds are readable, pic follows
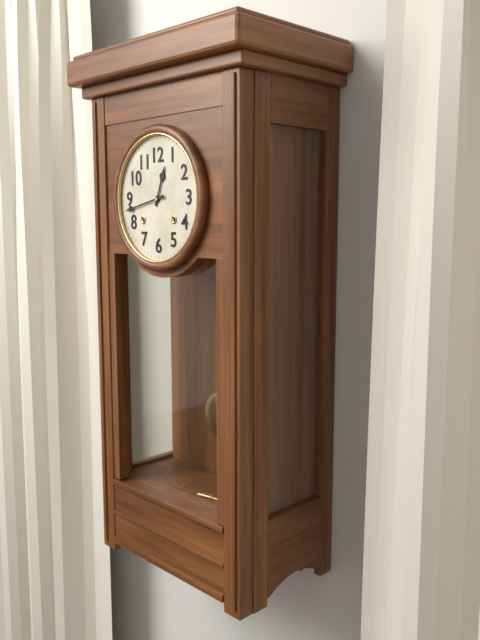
12,43
